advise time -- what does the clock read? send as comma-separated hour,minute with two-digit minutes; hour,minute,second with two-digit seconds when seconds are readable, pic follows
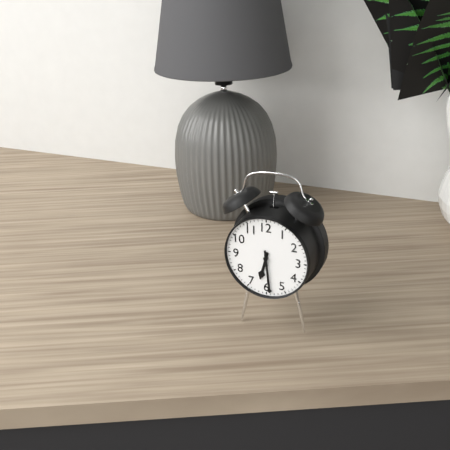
6,29
